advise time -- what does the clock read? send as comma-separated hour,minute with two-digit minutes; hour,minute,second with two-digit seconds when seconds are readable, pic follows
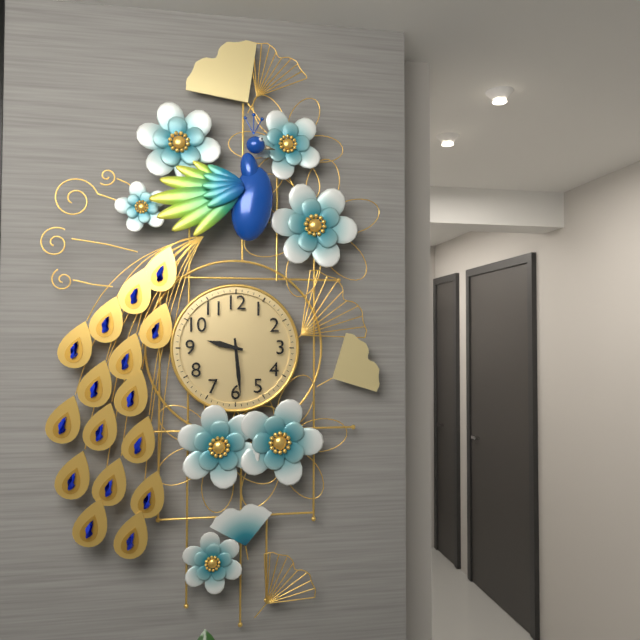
9,29
